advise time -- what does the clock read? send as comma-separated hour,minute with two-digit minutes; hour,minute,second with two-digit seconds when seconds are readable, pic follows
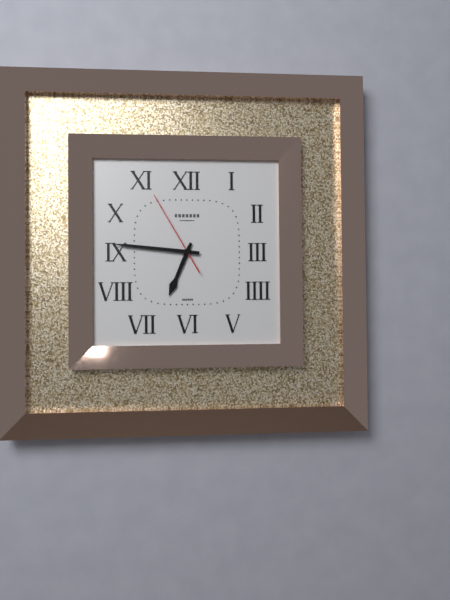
6,46,55
